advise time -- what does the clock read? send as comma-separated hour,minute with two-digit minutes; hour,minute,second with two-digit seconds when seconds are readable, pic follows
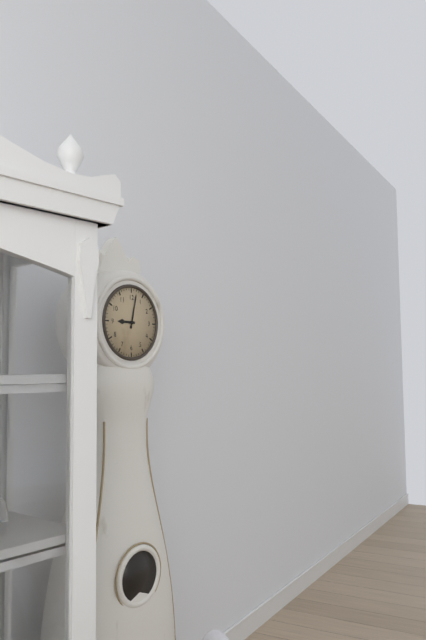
9,02
